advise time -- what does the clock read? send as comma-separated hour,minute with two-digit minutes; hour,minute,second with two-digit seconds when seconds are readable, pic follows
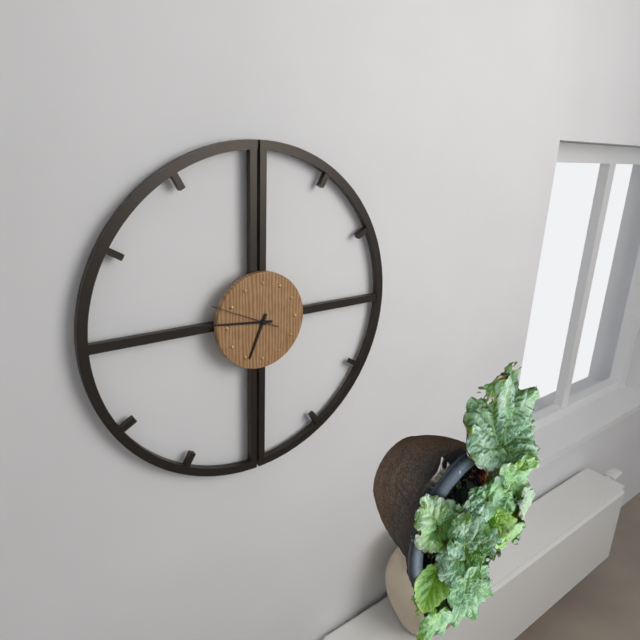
6,46,49
